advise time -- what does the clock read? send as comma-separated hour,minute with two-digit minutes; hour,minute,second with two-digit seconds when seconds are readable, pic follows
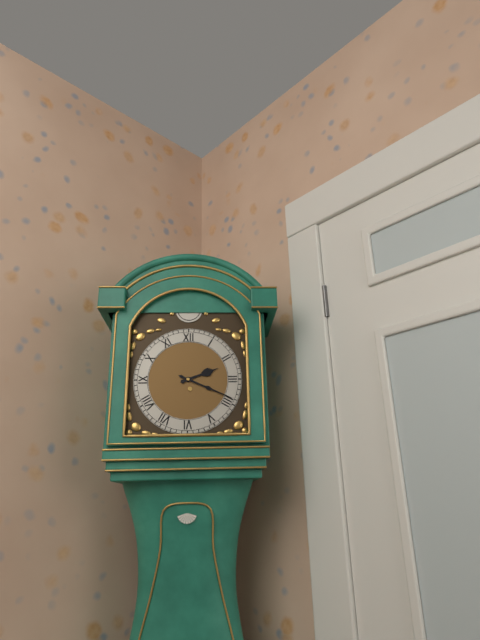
2,19
